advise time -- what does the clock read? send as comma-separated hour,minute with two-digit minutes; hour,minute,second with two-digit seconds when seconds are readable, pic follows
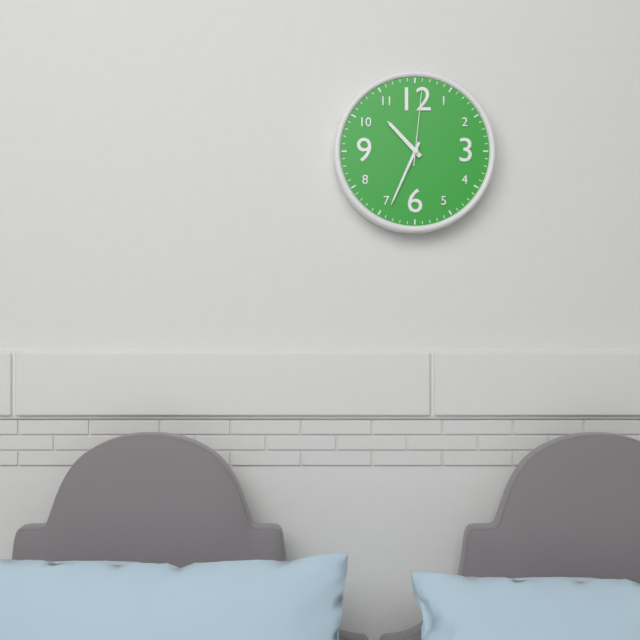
10,34,01
